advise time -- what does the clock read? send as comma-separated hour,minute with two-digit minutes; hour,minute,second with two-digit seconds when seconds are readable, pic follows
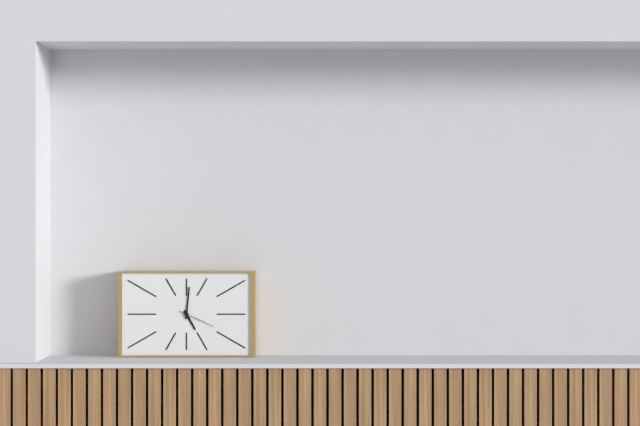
5,01
